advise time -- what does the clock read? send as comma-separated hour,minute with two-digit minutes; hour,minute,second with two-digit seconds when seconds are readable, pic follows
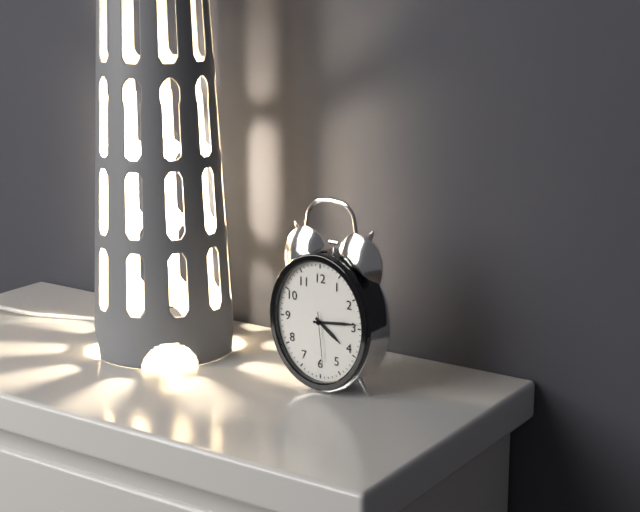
4,14,29
